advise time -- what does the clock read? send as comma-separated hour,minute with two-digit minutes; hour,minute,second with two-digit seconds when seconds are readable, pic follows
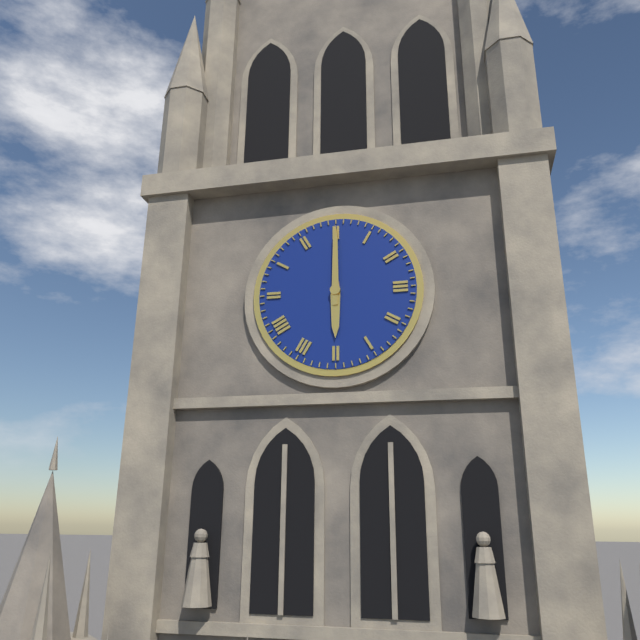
6,00
